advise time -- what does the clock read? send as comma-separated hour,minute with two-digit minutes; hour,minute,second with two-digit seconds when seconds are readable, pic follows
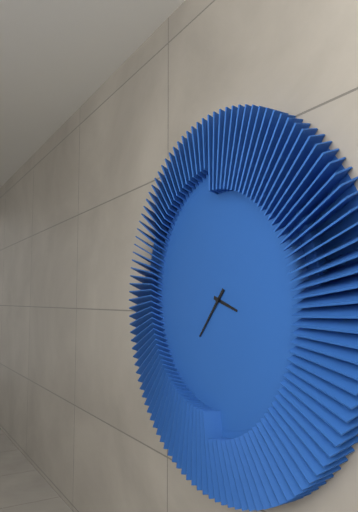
3,37
